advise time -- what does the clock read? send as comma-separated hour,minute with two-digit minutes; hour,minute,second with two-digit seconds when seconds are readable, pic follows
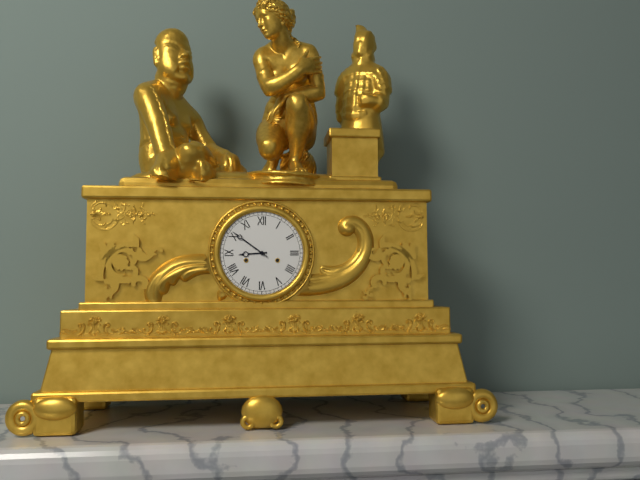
8,51
